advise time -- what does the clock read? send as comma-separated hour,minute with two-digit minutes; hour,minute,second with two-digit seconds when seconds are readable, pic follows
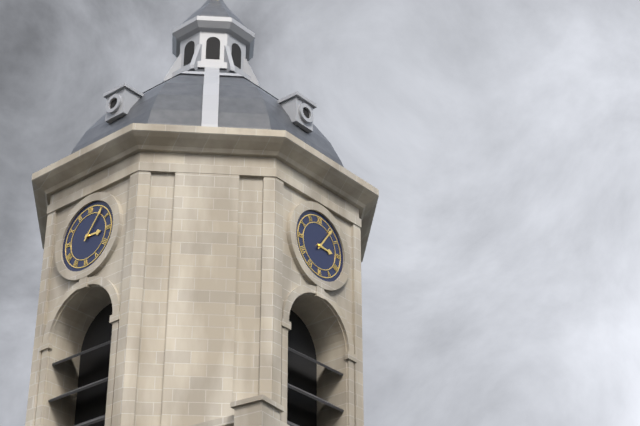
3,06
